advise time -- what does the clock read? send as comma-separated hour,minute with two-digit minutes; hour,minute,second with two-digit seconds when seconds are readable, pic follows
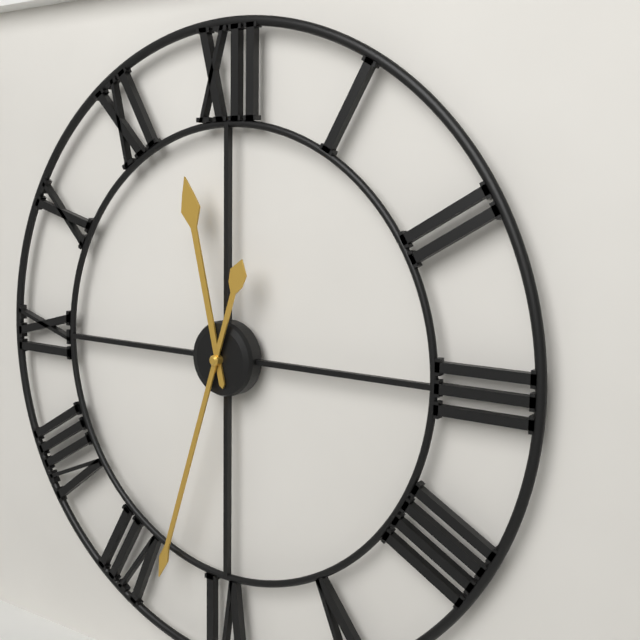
11,33
